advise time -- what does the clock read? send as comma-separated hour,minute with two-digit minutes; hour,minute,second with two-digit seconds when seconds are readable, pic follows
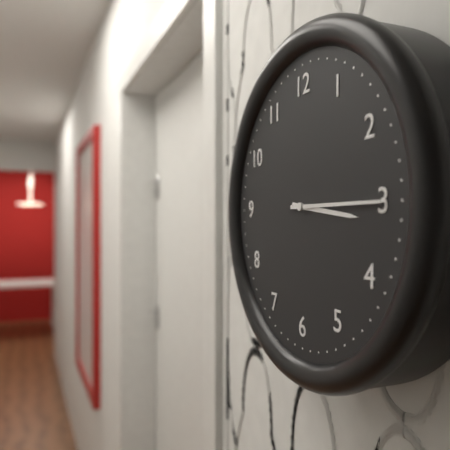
3,15
